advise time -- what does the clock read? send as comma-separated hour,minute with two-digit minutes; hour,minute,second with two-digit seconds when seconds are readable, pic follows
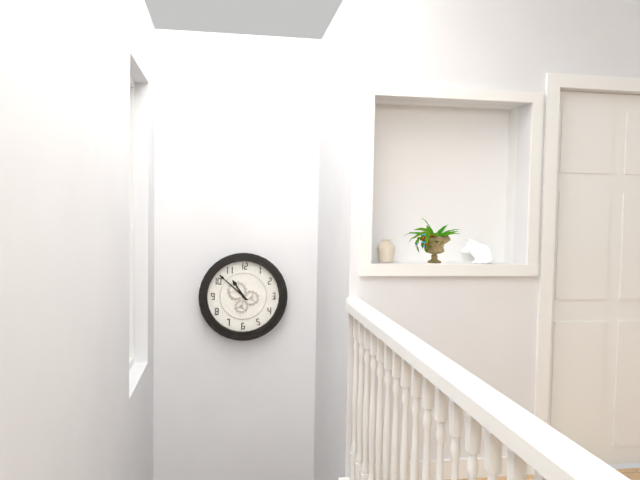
10,52
